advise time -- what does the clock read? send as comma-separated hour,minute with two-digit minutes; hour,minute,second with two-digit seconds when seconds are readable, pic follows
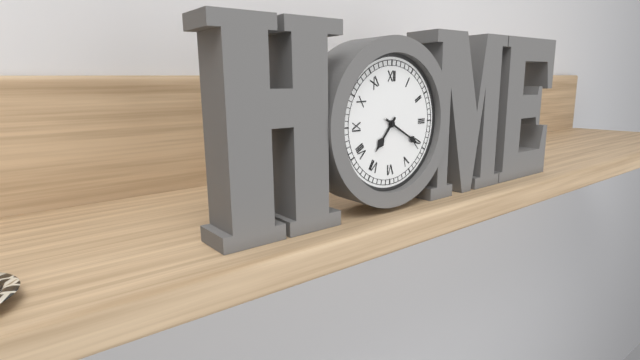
7,20
